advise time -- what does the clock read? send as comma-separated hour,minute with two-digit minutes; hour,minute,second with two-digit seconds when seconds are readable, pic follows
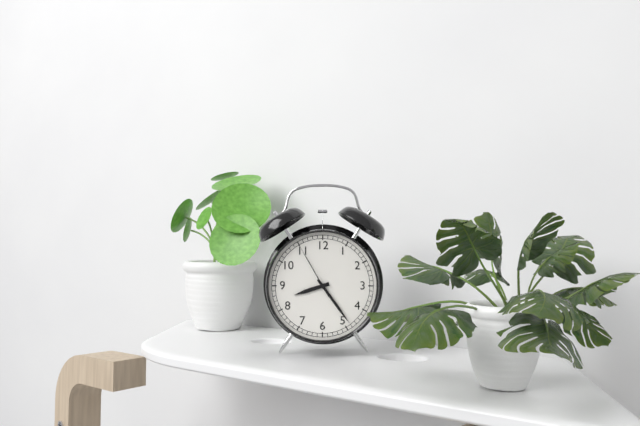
8,24,55
